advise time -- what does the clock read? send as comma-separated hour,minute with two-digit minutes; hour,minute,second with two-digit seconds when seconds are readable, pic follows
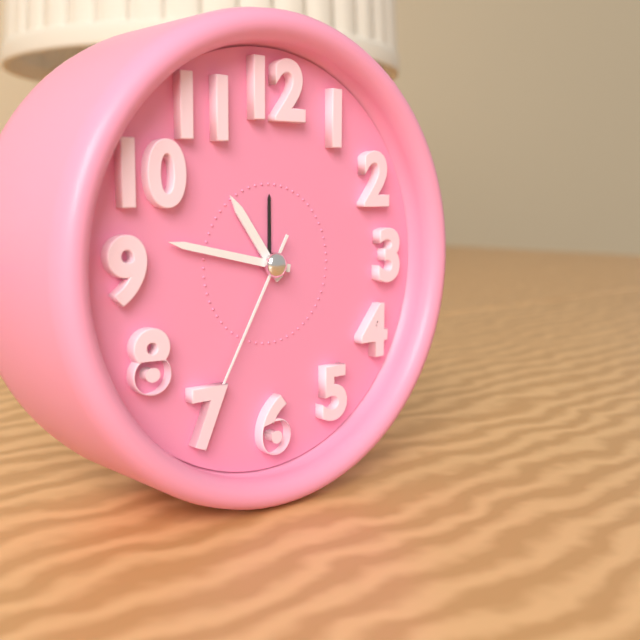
10,47,35
